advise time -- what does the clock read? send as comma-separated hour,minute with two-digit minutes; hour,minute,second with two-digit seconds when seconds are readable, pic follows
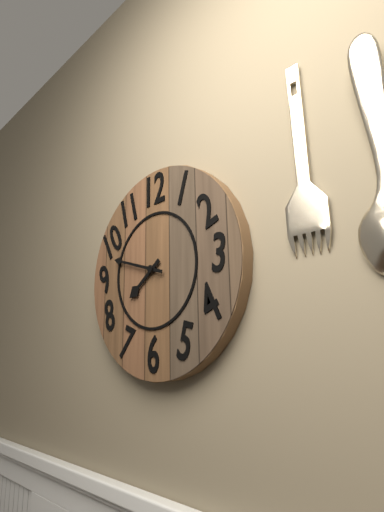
7,48
